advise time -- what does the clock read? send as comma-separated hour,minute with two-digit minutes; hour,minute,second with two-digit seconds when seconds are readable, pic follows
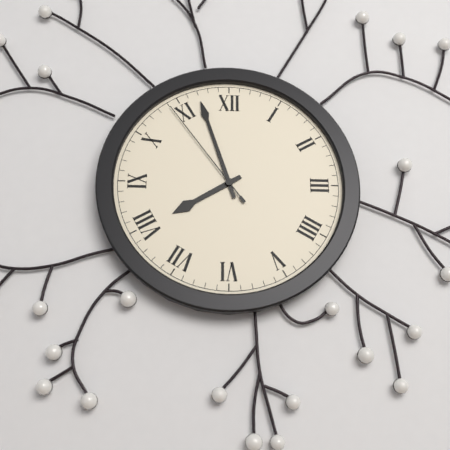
7,57,54
